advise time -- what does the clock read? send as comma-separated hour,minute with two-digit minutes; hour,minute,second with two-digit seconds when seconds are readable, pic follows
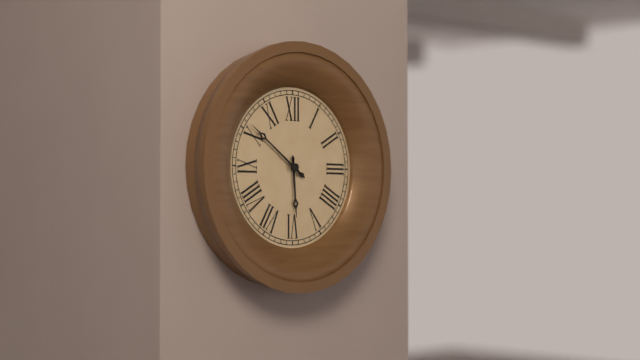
5,51
